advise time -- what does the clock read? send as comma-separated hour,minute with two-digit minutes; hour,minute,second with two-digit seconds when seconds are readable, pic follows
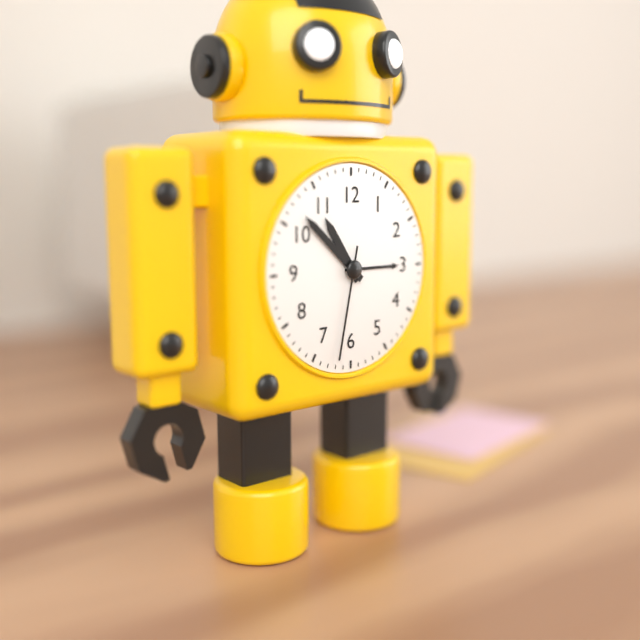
10,52,32
